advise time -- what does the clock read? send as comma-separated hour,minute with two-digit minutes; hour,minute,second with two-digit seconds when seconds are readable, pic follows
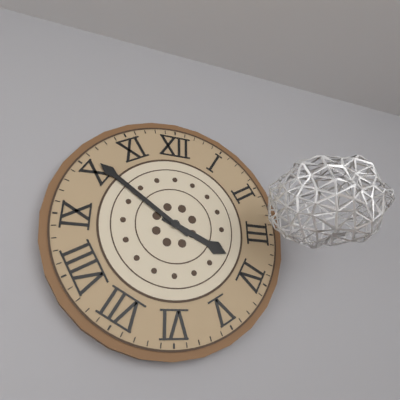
3,51
